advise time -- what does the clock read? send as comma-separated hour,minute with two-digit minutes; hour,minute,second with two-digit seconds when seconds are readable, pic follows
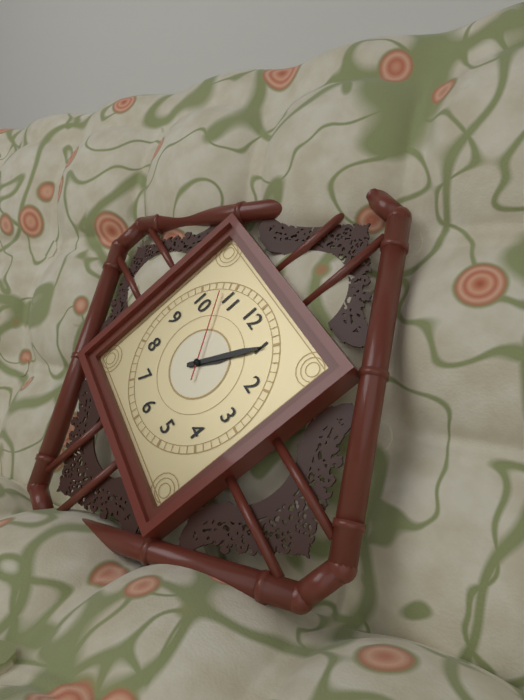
1,05,53
